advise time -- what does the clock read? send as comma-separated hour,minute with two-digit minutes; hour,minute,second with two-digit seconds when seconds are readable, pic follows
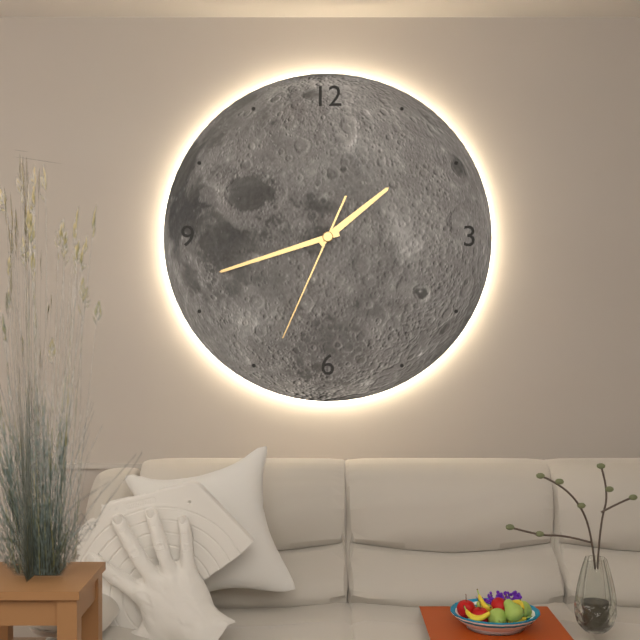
1,42,34
